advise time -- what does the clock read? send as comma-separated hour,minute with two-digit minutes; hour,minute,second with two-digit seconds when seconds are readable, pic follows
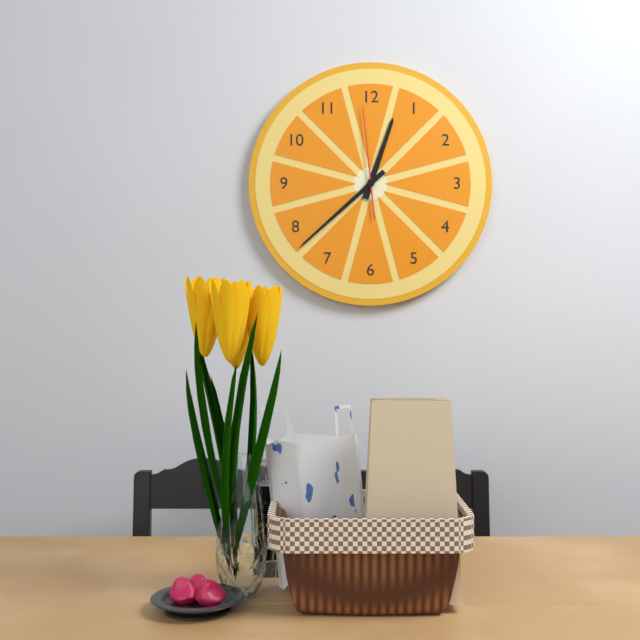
12,38,59
